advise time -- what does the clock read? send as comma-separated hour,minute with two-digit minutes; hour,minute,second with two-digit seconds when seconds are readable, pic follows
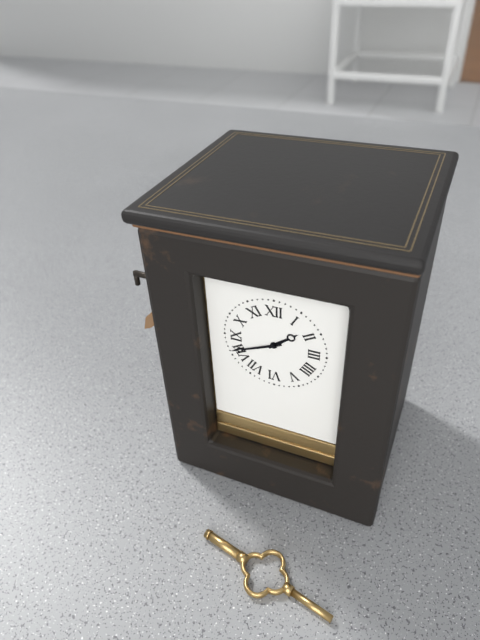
1,41
